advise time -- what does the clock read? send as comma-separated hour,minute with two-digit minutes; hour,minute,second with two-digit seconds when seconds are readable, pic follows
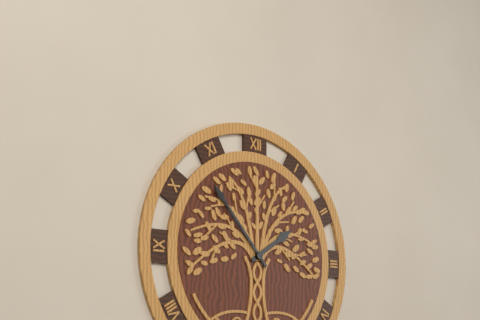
1,53
